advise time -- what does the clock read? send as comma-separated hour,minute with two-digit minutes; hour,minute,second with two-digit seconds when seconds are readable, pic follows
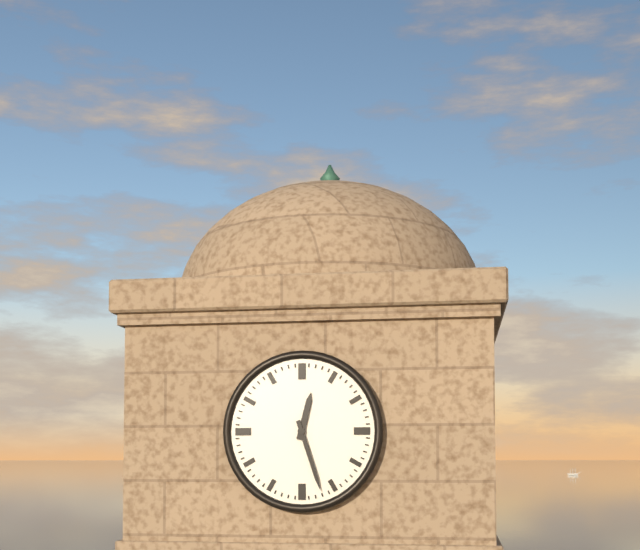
12,27
